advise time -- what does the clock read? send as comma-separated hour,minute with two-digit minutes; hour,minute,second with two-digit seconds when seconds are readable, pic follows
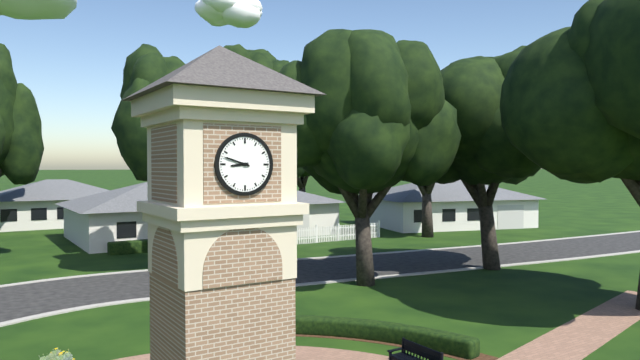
8,48
